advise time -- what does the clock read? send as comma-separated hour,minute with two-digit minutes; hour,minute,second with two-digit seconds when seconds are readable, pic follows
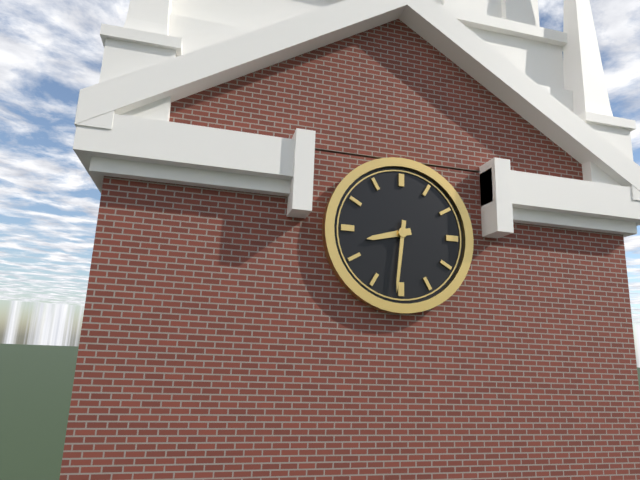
8,31
